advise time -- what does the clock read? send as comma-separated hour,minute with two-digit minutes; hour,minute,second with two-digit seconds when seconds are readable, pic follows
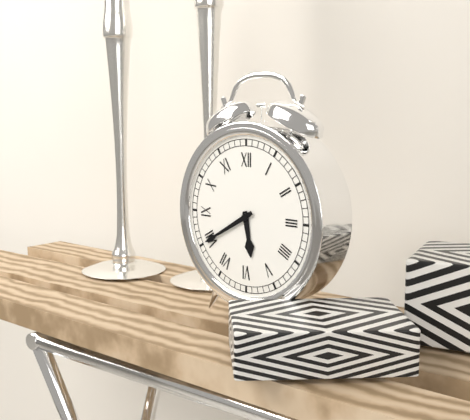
5,40
